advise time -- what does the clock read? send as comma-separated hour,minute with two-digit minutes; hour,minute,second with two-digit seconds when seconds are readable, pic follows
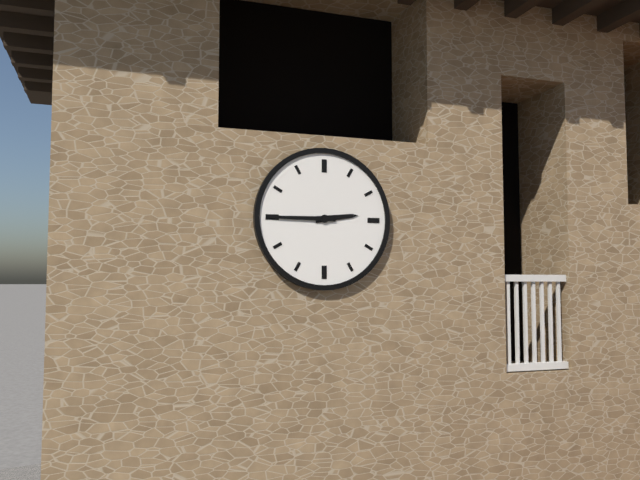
2,45
